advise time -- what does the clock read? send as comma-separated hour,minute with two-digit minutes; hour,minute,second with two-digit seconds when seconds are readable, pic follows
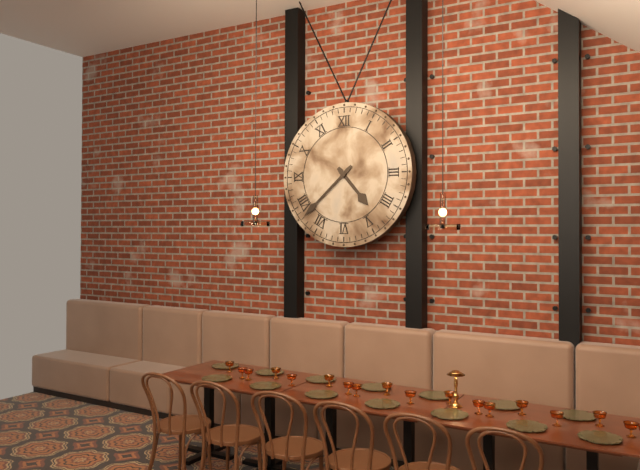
4,38
